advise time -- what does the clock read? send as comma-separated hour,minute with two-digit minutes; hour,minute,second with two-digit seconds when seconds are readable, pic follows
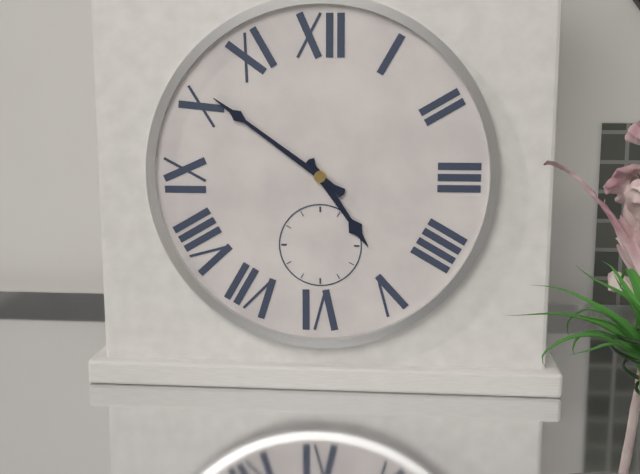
4,51
